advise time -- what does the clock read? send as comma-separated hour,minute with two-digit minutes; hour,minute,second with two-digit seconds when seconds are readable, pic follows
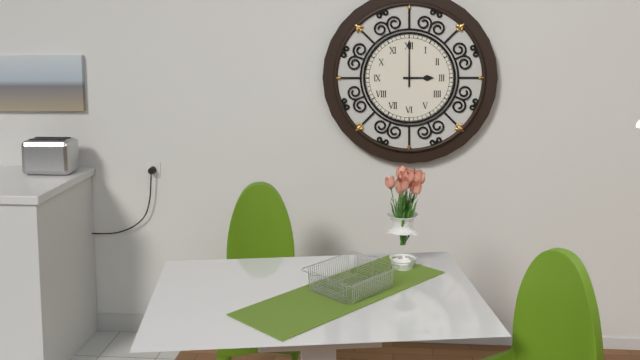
3,00
